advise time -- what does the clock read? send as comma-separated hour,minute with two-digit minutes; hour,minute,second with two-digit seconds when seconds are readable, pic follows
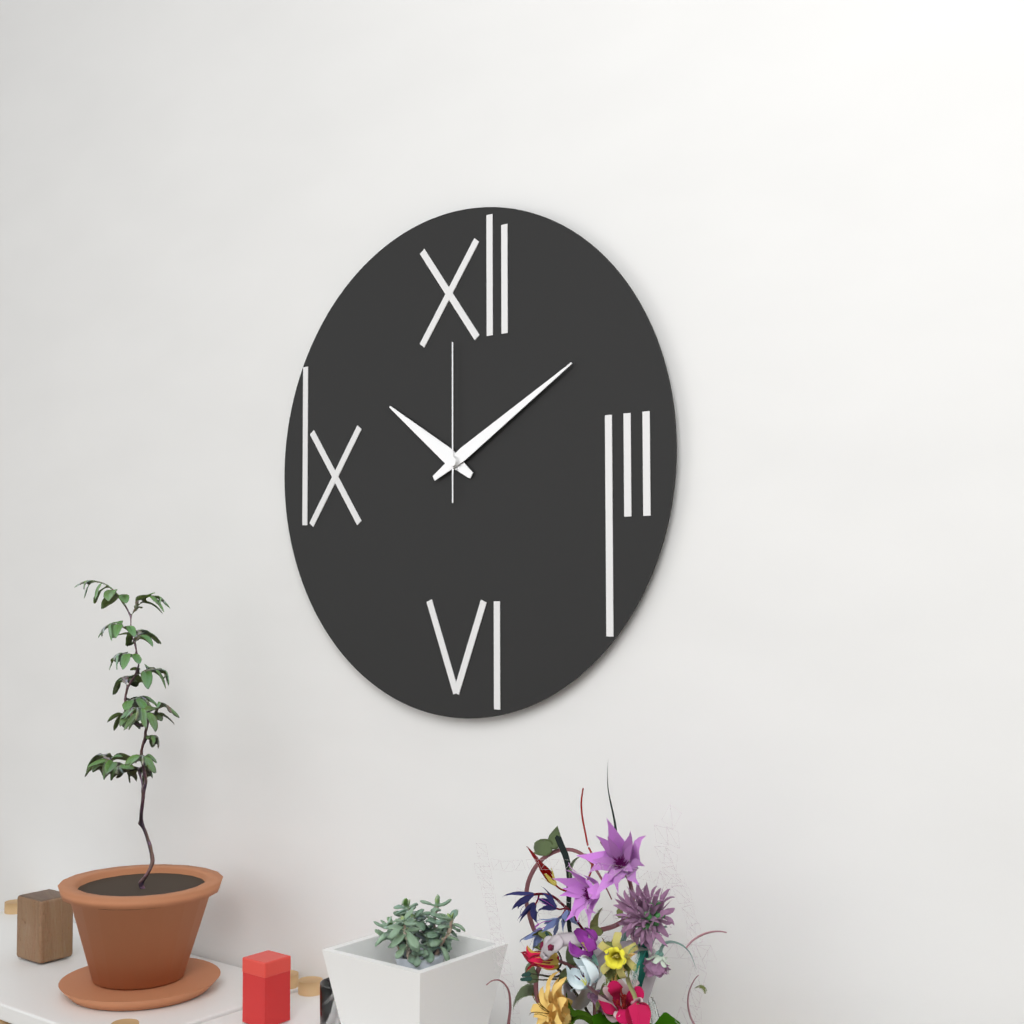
10,10,00
